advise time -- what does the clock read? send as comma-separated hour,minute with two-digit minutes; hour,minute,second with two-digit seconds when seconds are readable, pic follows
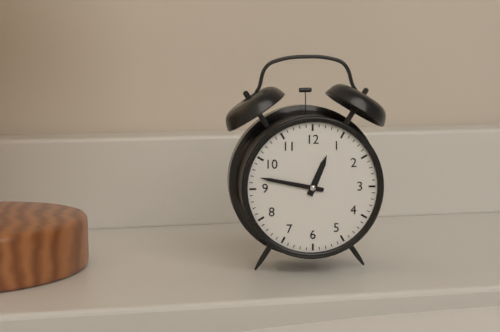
12,47
